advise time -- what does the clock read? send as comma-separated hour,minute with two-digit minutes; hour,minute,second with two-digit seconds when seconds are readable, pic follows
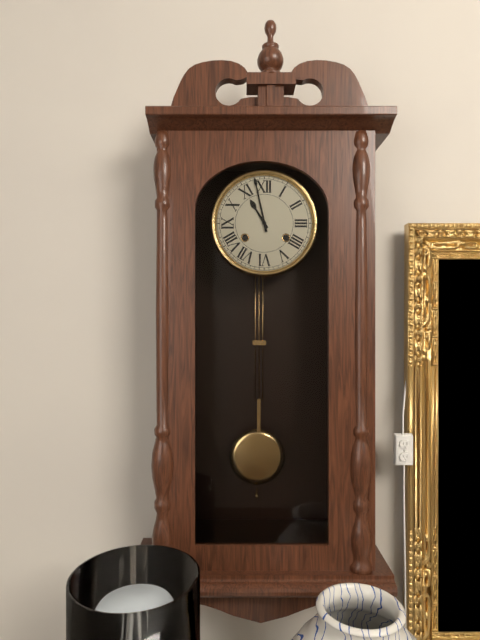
10,58
